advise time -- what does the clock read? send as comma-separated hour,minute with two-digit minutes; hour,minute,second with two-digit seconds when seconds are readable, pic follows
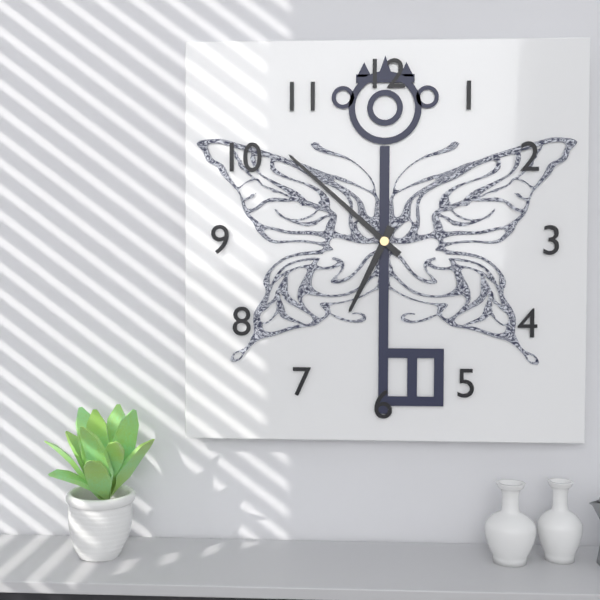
6,52
